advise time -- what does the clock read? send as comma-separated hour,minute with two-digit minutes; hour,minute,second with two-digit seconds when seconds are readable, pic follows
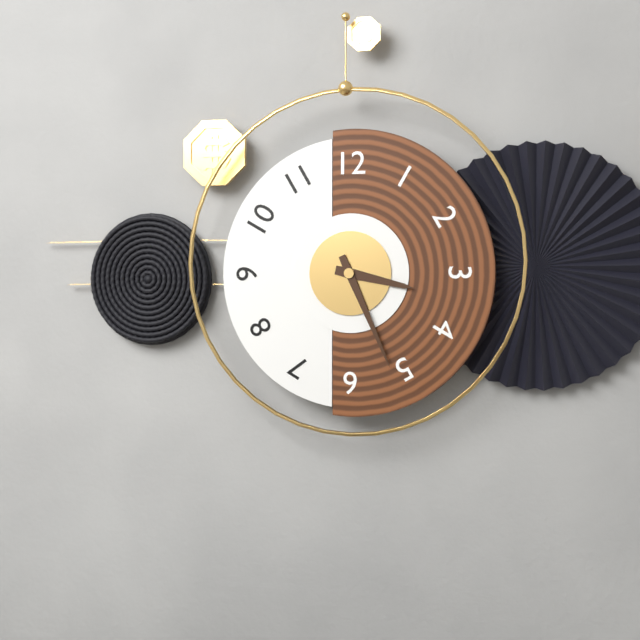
3,26
